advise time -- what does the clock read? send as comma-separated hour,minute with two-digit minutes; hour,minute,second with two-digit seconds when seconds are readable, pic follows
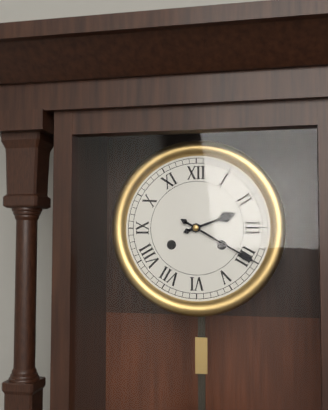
2,20
